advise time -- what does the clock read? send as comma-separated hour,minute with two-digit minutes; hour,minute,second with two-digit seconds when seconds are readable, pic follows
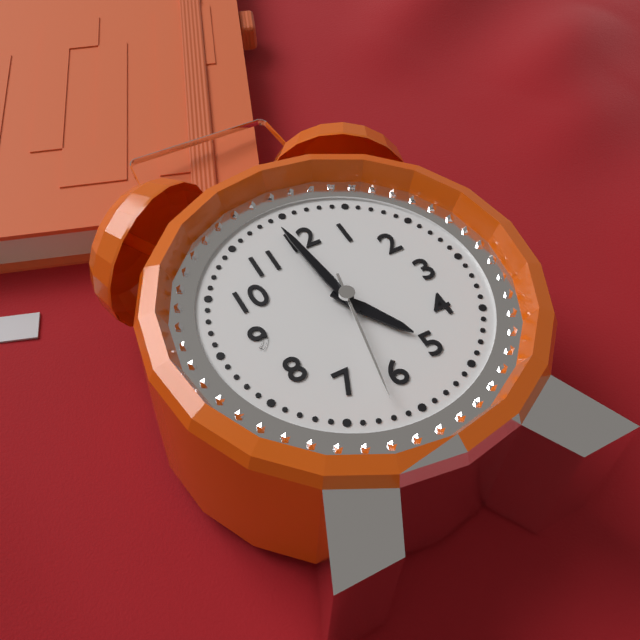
4,59,32
